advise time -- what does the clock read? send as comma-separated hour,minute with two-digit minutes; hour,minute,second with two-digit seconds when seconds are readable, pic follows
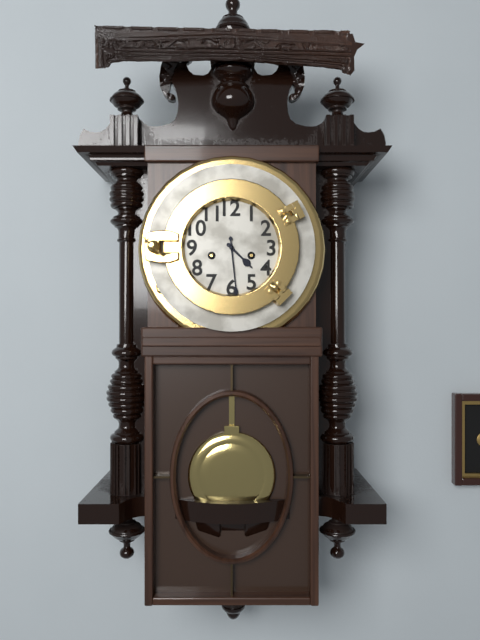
4,29
